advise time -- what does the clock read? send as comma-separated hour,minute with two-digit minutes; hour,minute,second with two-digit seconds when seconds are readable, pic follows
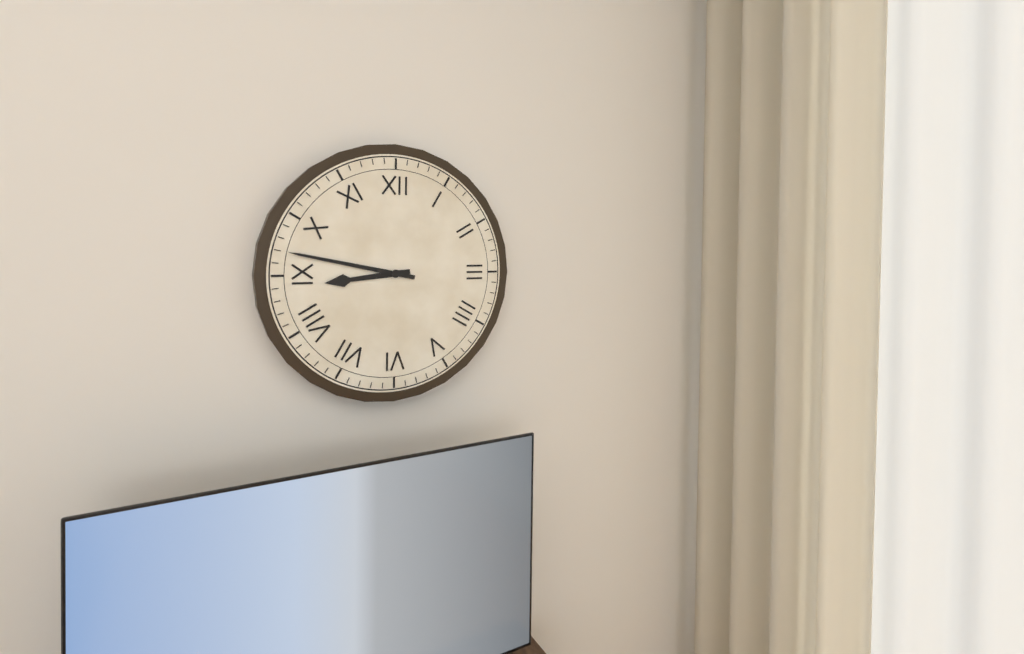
8,47
